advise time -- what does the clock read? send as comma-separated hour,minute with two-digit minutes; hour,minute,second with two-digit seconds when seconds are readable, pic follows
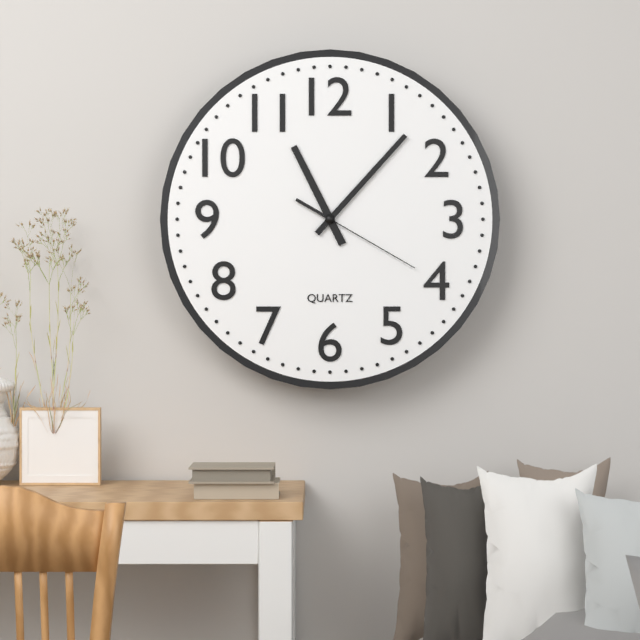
11,07,20
